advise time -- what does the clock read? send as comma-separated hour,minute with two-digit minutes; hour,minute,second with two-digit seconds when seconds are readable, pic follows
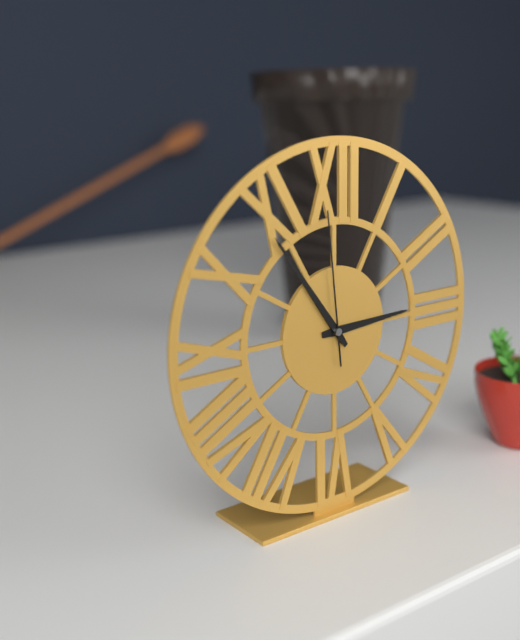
2,54,59
